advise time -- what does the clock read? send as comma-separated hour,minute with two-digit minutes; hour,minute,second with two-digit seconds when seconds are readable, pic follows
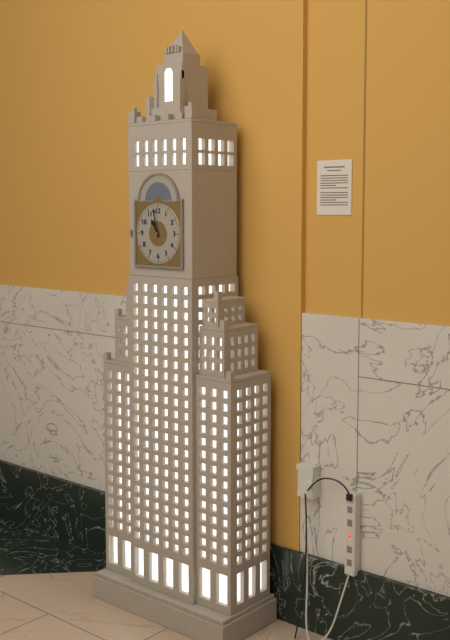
10,58
